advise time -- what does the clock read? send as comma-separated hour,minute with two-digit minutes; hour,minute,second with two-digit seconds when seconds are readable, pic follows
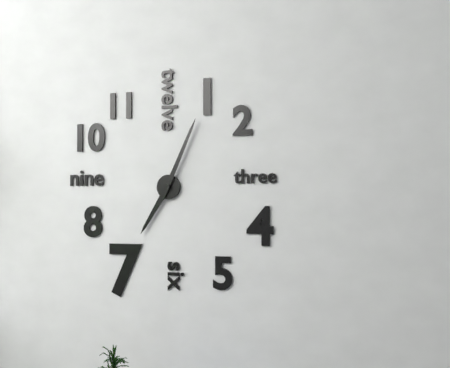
7,04
